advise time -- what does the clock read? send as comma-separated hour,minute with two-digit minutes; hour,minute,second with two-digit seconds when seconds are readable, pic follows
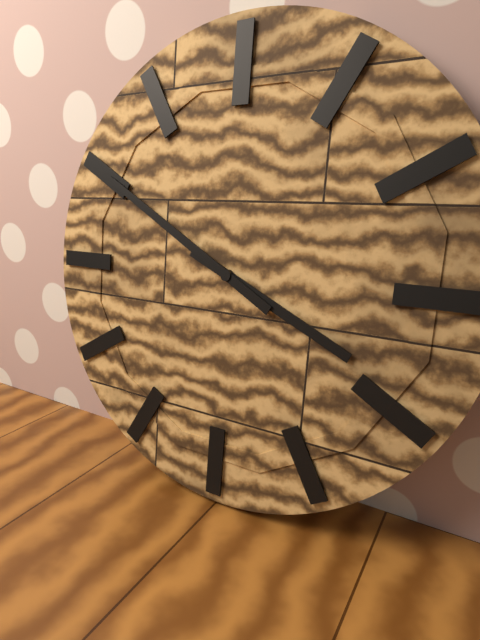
3,50
